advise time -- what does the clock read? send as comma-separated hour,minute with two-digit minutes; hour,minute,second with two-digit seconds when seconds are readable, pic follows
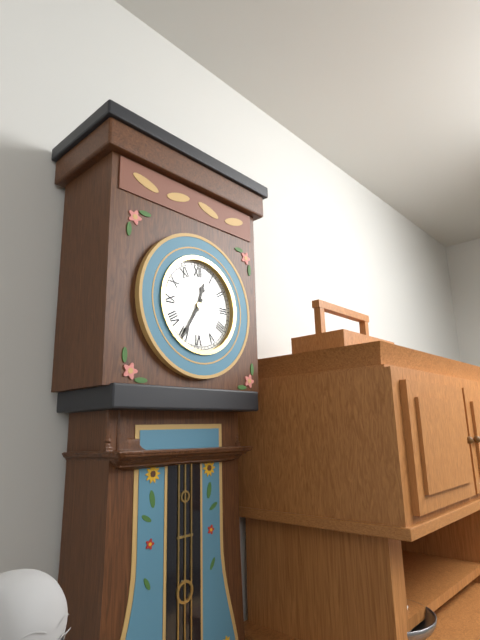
12,35
